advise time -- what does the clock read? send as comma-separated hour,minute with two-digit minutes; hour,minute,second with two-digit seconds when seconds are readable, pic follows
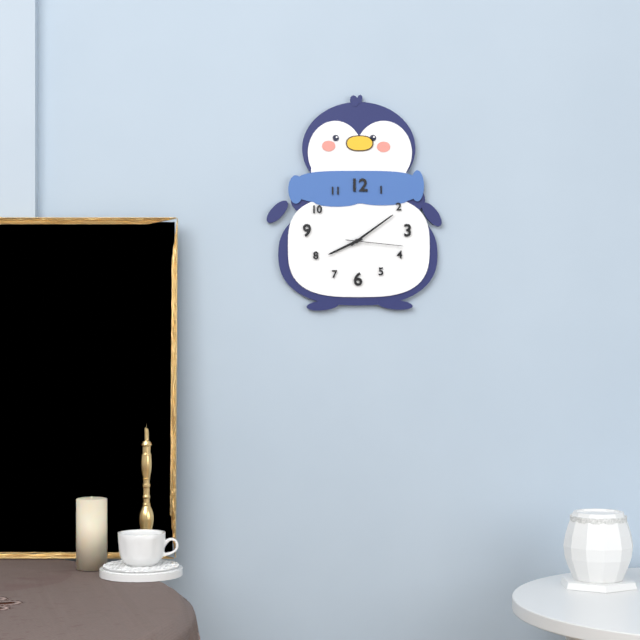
8,09,16
